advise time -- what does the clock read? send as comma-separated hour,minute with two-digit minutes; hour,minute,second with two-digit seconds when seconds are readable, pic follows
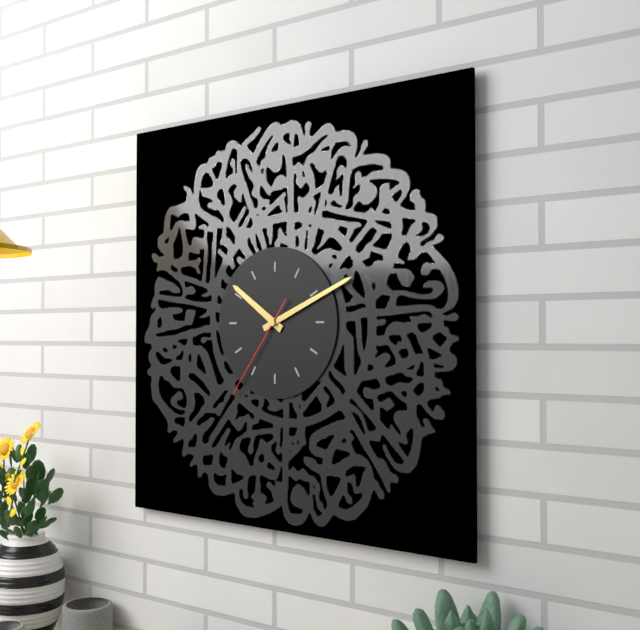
10,11,36
